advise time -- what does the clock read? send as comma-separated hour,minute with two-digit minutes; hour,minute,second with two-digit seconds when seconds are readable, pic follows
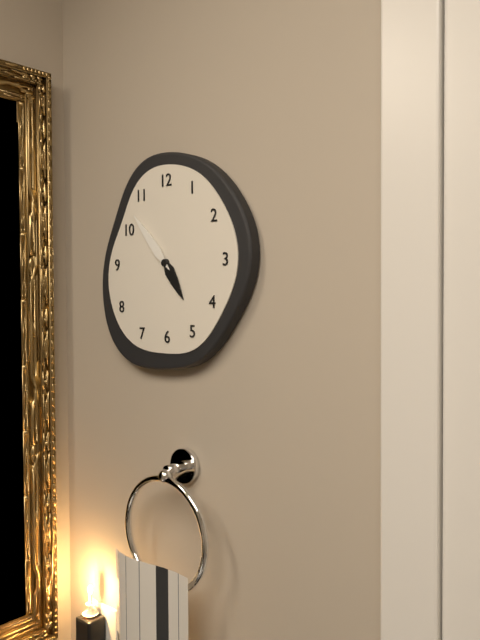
4,53
